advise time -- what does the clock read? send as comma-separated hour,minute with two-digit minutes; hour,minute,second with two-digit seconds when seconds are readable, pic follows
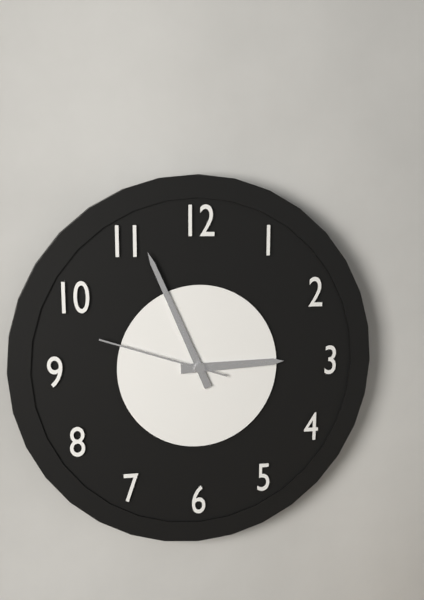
2,56,48
